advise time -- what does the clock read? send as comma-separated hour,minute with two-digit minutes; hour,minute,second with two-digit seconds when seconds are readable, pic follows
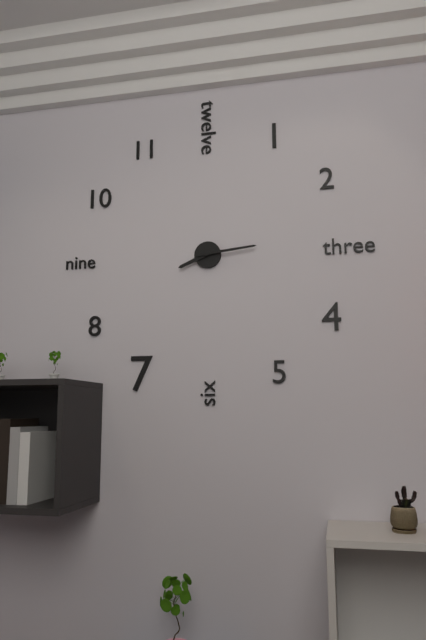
8,14
